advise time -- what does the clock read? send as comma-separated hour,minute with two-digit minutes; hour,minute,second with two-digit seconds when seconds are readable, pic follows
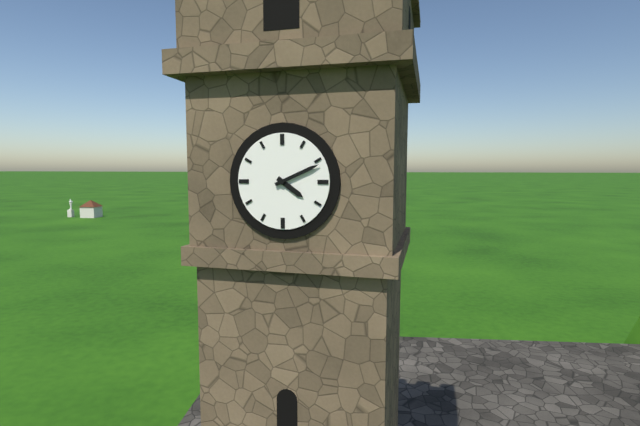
4,11
